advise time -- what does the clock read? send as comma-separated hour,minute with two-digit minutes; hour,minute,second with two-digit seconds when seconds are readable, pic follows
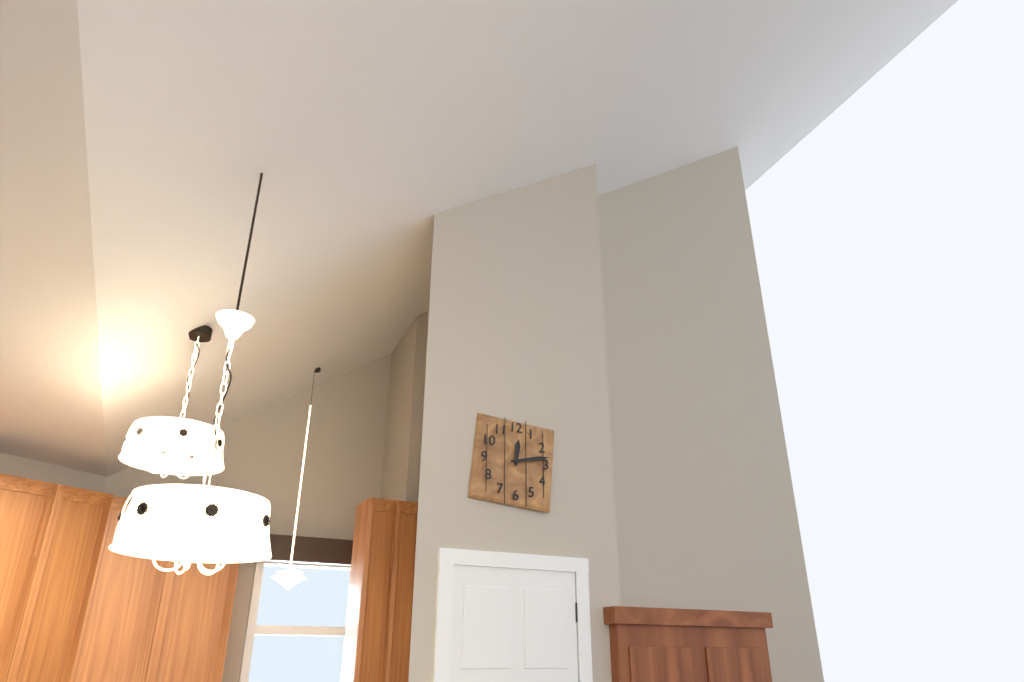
12,13
